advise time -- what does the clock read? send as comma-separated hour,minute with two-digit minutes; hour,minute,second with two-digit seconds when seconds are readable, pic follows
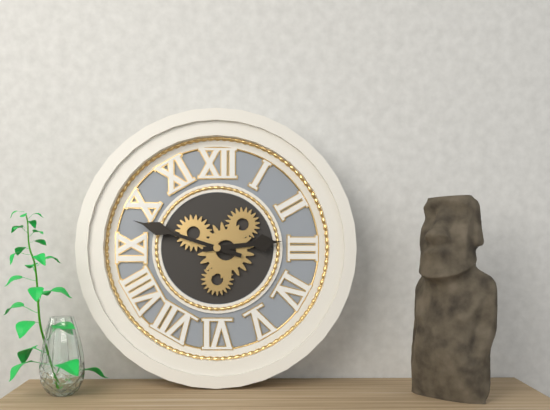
2,48
